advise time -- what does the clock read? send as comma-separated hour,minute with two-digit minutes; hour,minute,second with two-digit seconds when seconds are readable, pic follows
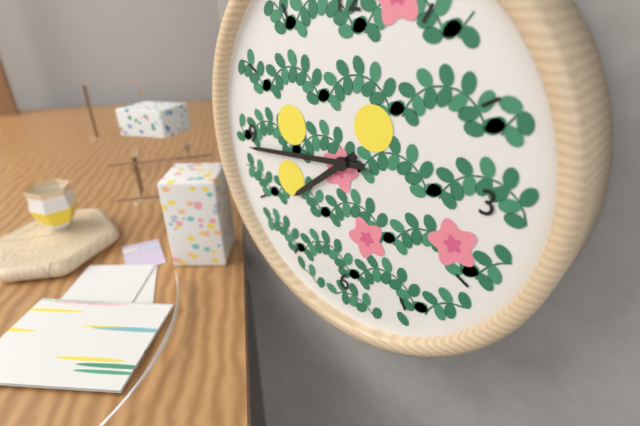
7,44
